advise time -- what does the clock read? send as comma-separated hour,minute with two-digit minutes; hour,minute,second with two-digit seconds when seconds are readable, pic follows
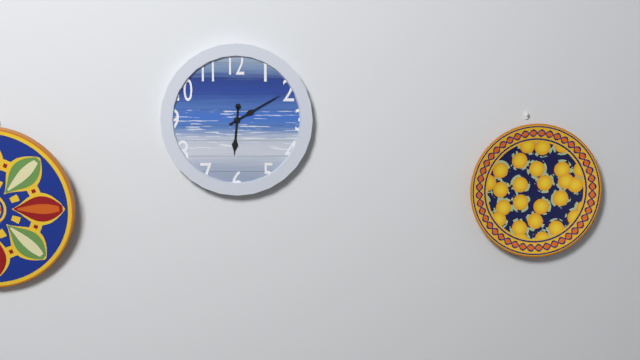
6,10
